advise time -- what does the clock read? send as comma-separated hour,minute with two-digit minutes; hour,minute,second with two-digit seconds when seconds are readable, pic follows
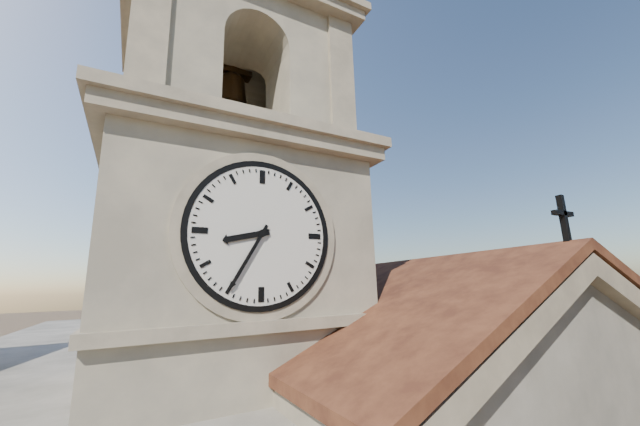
8,35
